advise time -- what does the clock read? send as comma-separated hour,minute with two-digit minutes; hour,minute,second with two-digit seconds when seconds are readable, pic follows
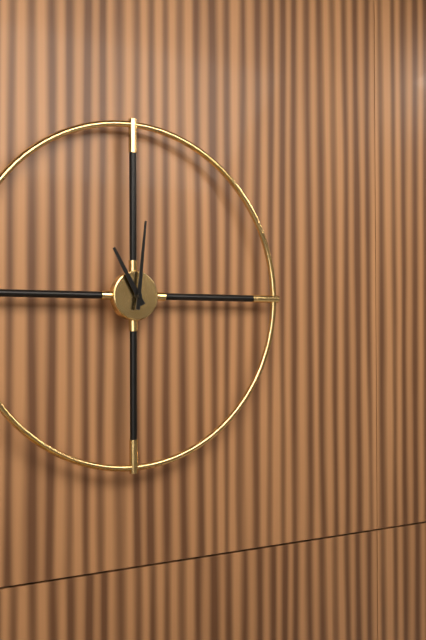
11,01
